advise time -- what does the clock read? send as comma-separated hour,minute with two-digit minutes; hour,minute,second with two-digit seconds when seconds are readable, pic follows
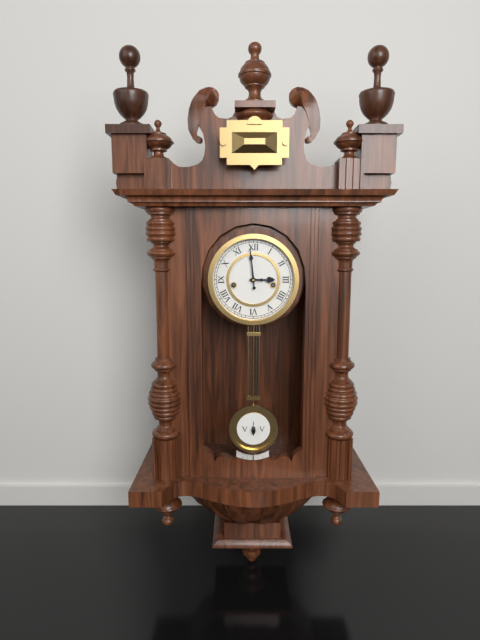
2,59
